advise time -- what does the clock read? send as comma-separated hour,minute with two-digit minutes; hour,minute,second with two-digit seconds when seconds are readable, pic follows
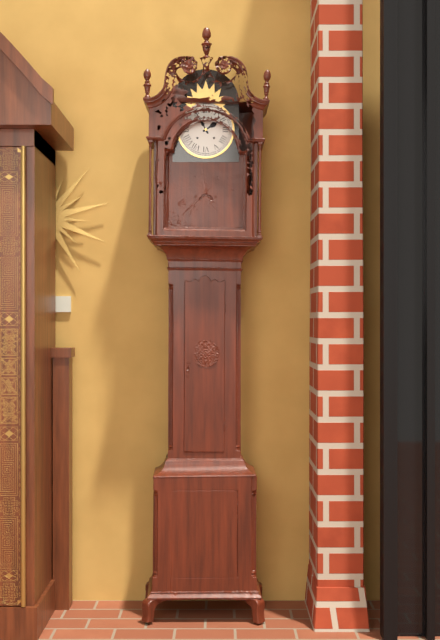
1,55
